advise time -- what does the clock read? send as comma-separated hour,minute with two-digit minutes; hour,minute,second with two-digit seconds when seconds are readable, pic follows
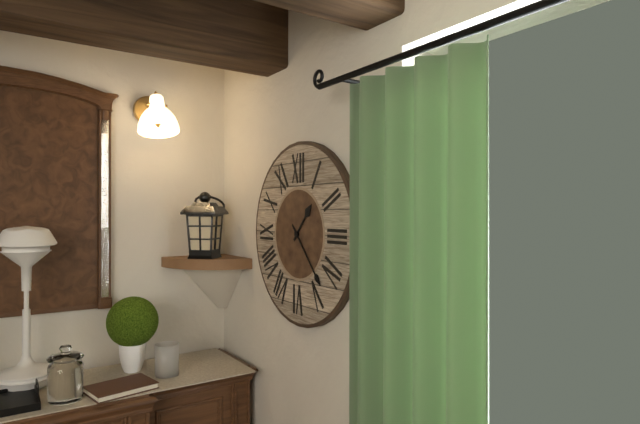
1,23
